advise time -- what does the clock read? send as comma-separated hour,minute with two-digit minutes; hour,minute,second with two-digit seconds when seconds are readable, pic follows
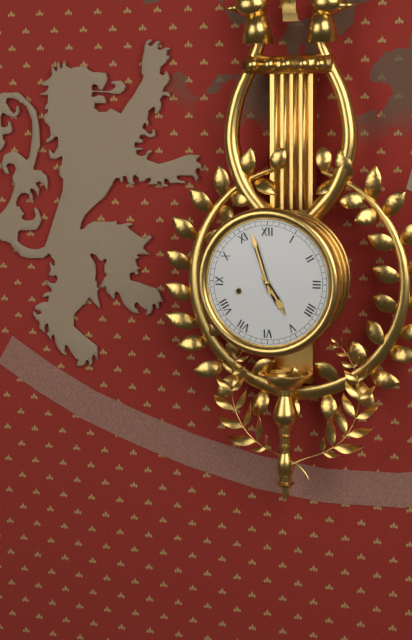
4,57
